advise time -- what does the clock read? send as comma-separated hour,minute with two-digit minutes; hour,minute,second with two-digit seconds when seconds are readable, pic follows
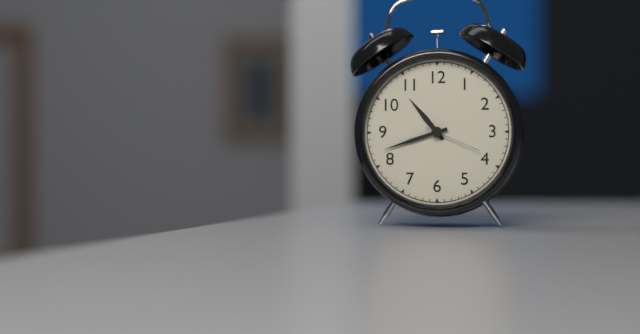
10,42,19
